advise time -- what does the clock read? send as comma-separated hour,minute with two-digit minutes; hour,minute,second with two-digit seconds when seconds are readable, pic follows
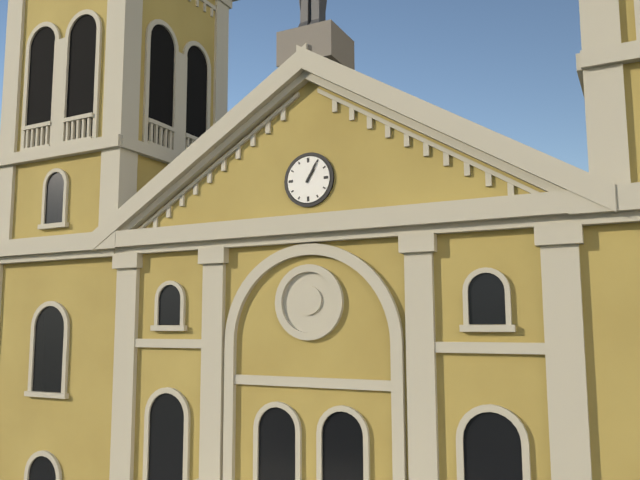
1,05
